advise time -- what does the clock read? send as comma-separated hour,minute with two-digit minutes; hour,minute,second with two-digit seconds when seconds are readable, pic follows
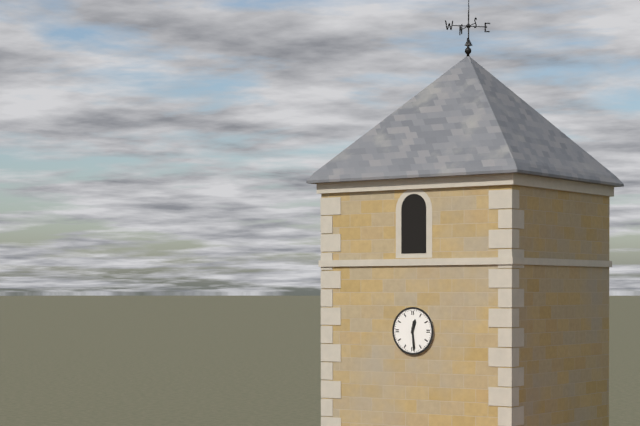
12,29
